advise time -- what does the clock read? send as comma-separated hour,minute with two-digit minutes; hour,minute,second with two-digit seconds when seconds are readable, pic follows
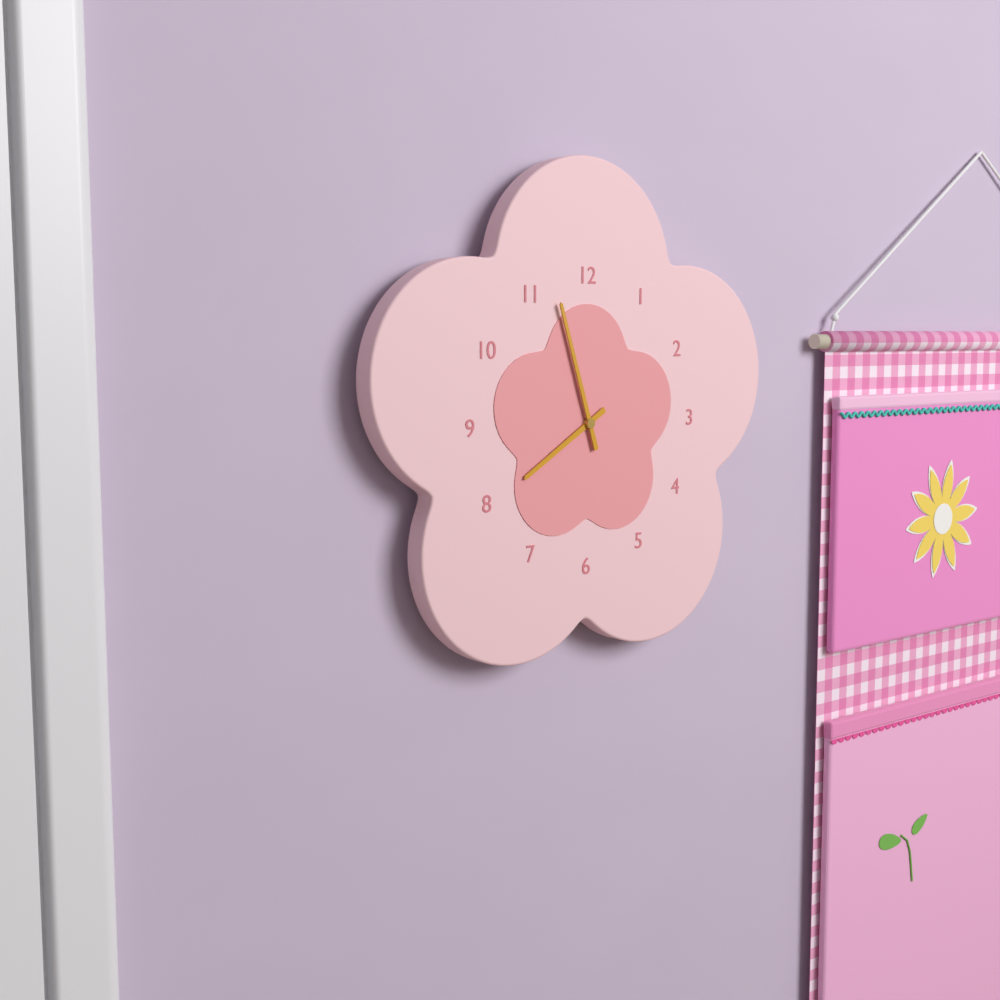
7,57
